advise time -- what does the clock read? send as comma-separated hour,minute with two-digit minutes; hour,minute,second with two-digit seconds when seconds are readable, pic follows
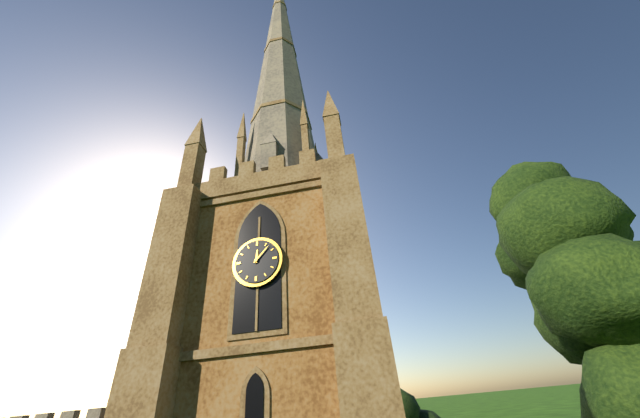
12,07
